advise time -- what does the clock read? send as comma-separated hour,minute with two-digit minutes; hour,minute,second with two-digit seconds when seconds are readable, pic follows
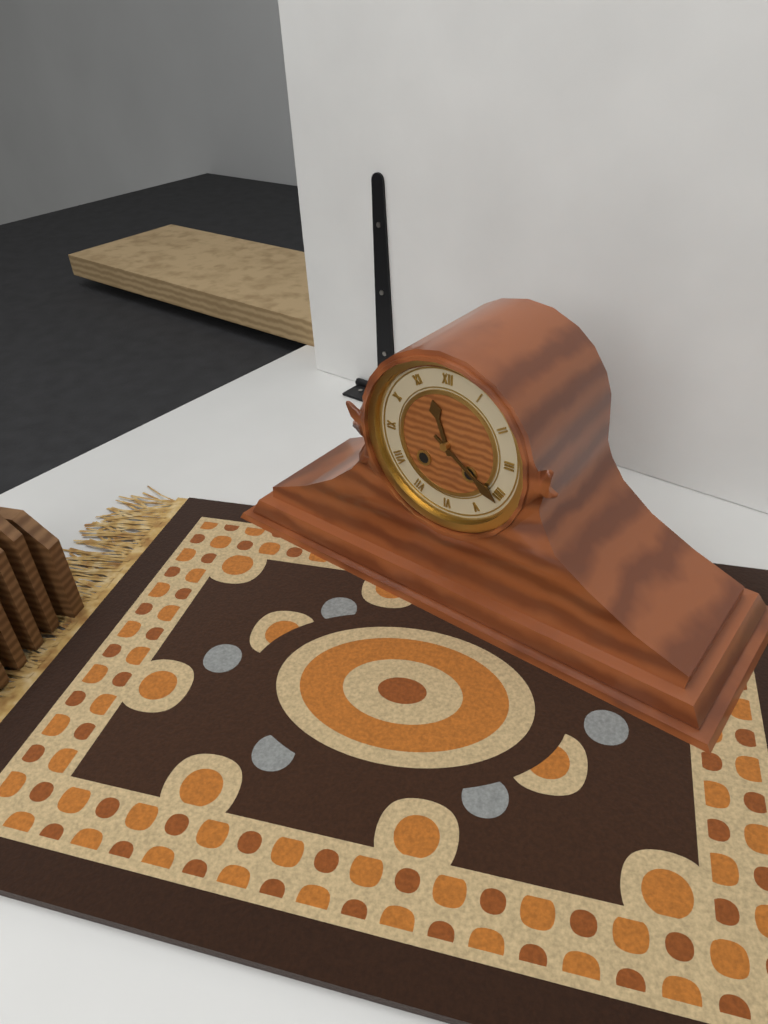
11,21
